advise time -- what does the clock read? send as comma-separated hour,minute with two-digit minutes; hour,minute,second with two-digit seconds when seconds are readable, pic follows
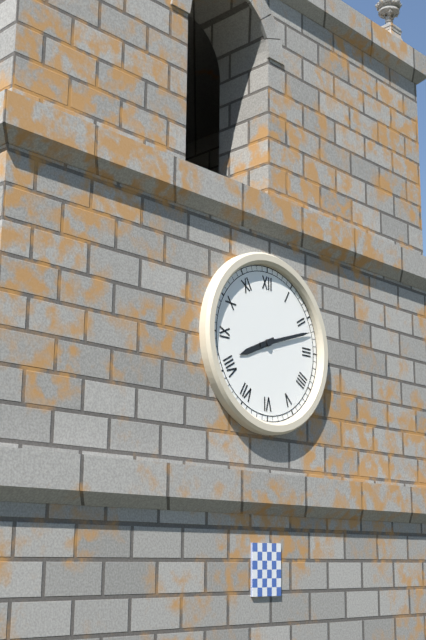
8,12
